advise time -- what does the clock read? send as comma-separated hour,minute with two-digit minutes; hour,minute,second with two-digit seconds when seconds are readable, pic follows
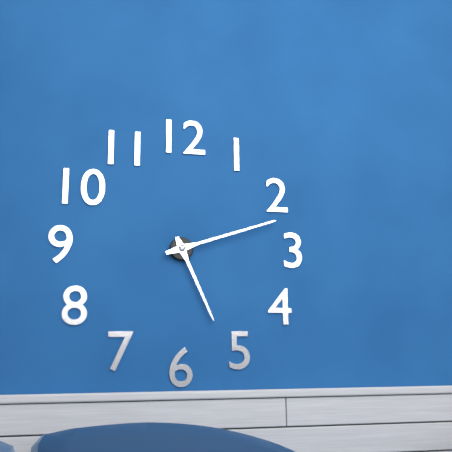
5,12
